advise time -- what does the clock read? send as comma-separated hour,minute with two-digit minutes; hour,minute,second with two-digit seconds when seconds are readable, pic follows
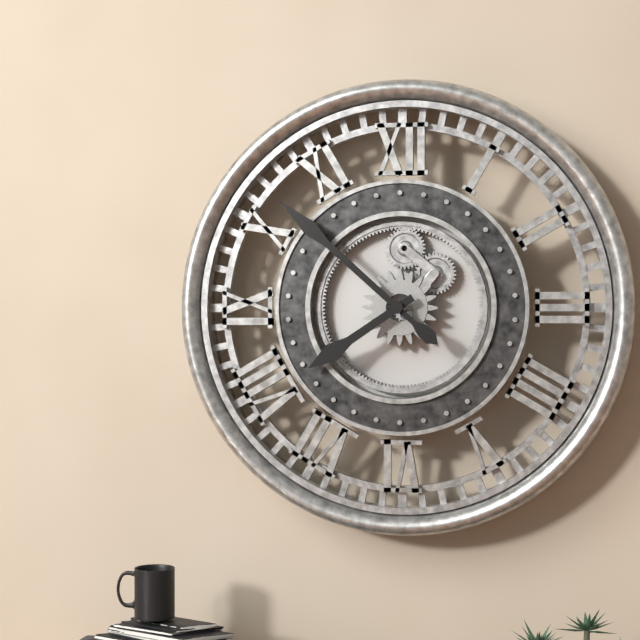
7,52
